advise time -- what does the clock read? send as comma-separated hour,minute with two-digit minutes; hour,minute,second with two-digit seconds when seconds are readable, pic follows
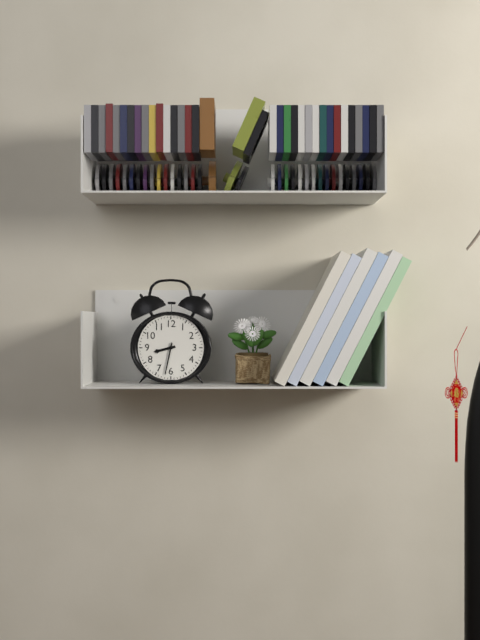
8,32
